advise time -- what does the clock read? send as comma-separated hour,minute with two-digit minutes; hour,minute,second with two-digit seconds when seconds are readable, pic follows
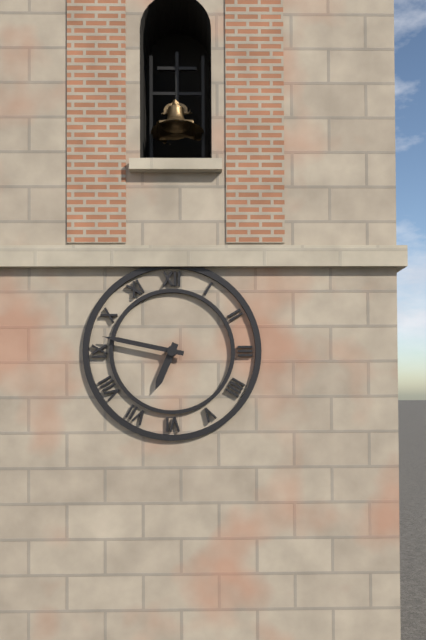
6,47
